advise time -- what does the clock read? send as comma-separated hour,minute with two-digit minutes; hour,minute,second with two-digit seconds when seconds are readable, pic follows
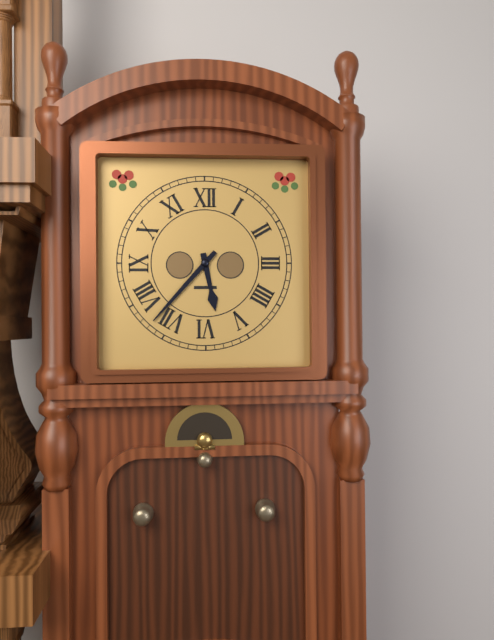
5,37
